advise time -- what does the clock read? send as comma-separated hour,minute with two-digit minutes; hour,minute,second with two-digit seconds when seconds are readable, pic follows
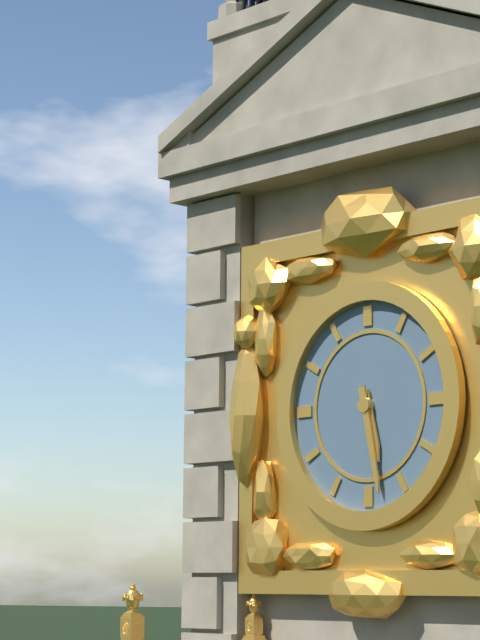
5,28
